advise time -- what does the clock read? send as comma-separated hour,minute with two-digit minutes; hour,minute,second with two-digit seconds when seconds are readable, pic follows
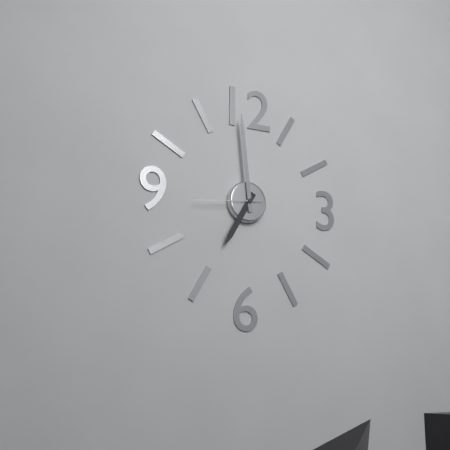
6,59,44
